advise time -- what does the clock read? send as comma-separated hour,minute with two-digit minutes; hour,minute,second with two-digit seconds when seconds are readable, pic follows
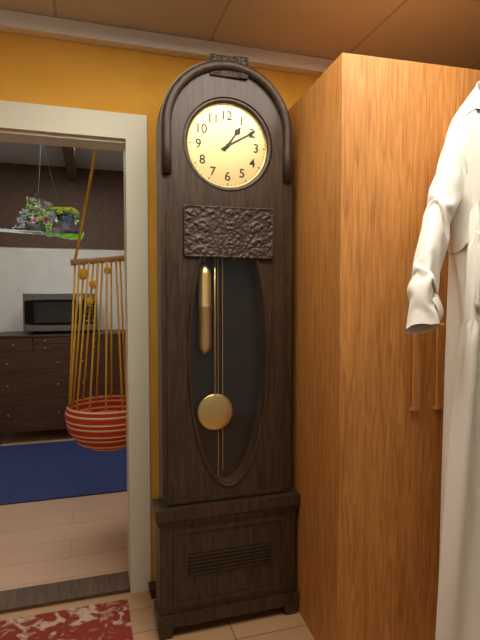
1,10
